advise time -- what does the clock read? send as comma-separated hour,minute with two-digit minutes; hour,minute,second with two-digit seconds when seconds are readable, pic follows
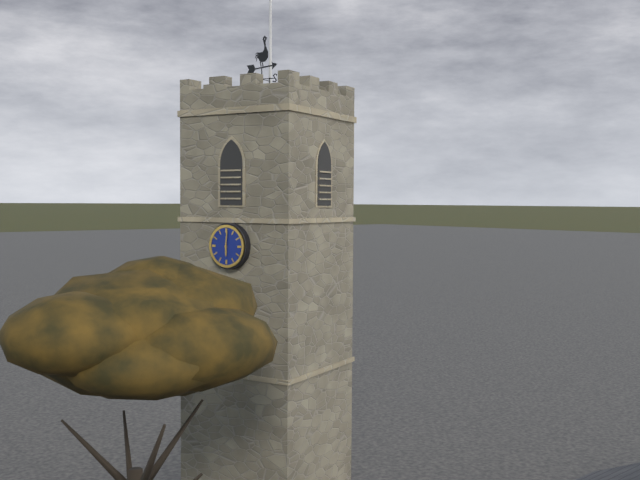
6,01
